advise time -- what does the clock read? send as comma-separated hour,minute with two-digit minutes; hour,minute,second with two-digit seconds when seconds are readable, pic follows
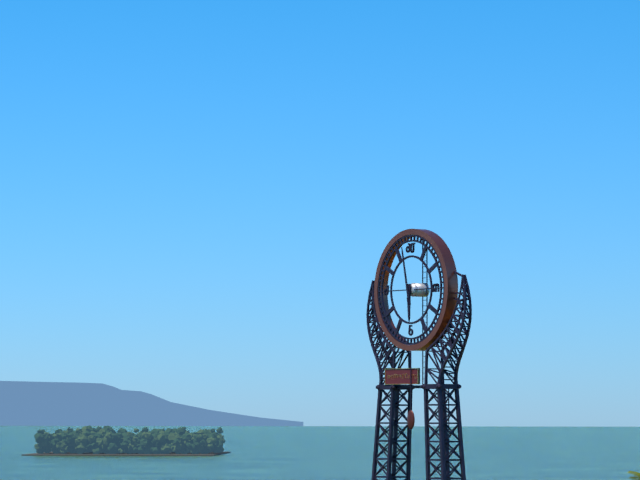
5,58
